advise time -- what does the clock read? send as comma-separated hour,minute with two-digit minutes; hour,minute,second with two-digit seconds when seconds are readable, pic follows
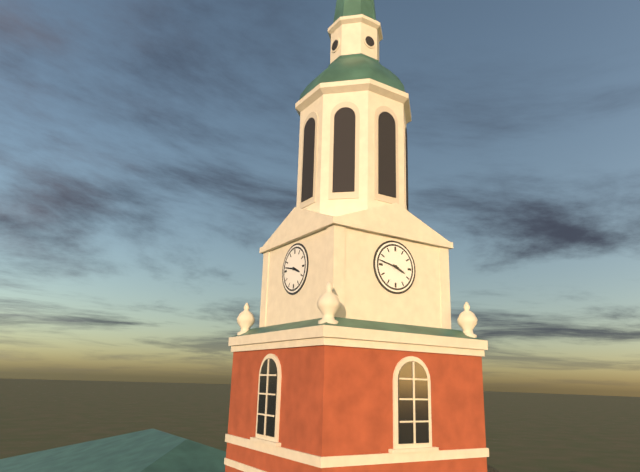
3,47
